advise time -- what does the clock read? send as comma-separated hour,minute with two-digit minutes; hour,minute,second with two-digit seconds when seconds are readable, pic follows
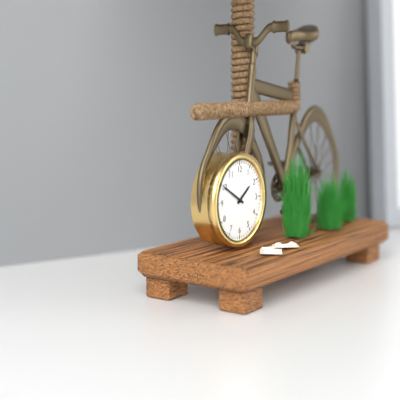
1,50
